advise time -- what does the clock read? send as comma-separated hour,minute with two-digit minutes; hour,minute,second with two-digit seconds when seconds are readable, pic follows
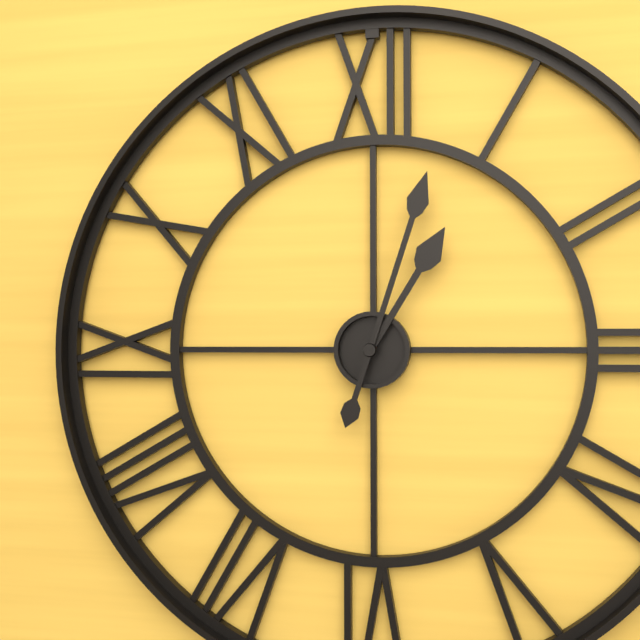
1,03
